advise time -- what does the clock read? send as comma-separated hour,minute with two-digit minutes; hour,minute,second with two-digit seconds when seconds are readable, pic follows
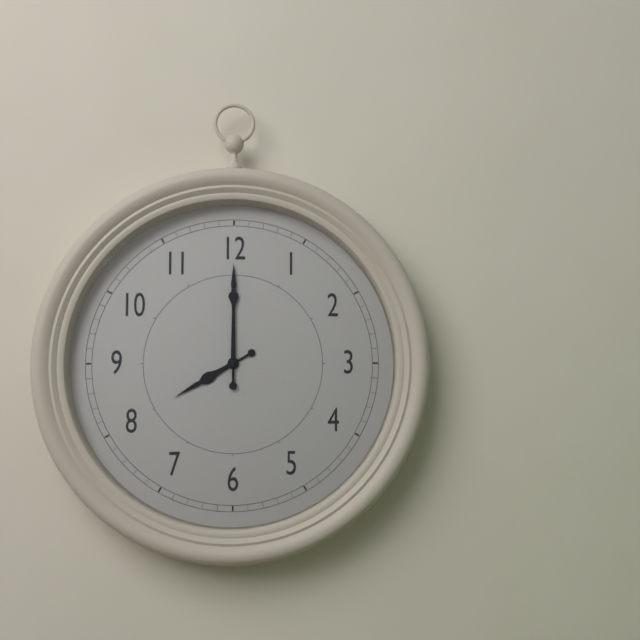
8,00
